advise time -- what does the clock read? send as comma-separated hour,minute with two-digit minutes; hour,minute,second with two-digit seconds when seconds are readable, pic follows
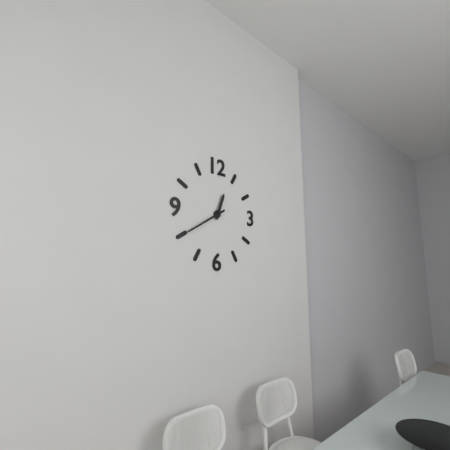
12,40
